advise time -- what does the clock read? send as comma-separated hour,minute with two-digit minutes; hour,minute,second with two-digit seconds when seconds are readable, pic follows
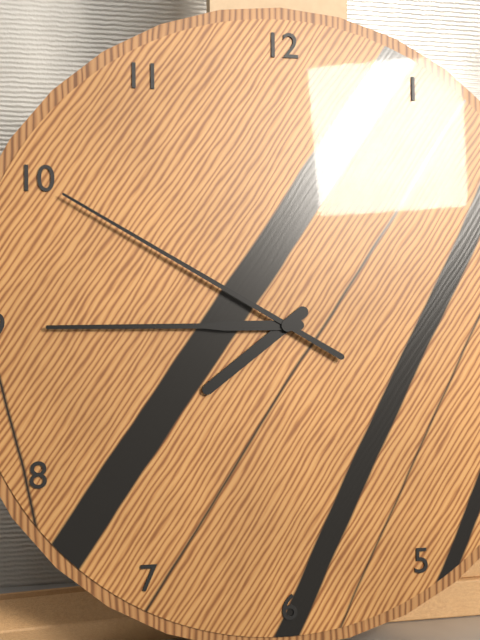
7,45,50
